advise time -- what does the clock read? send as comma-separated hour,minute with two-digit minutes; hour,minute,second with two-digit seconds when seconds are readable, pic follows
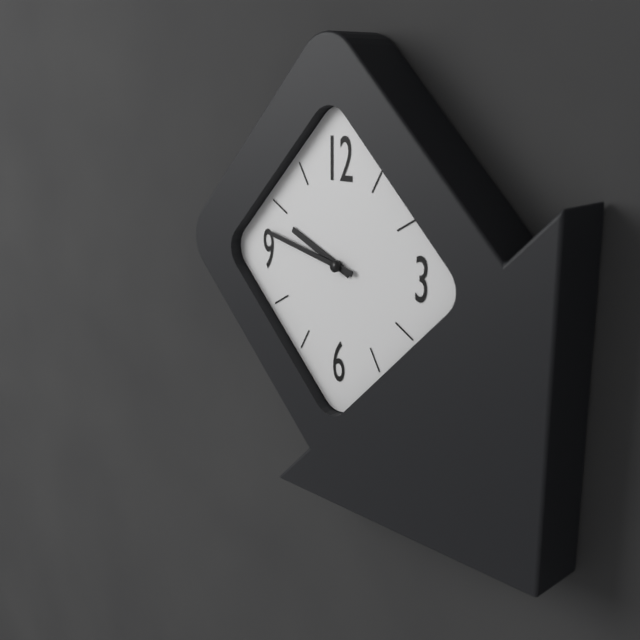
9,47
